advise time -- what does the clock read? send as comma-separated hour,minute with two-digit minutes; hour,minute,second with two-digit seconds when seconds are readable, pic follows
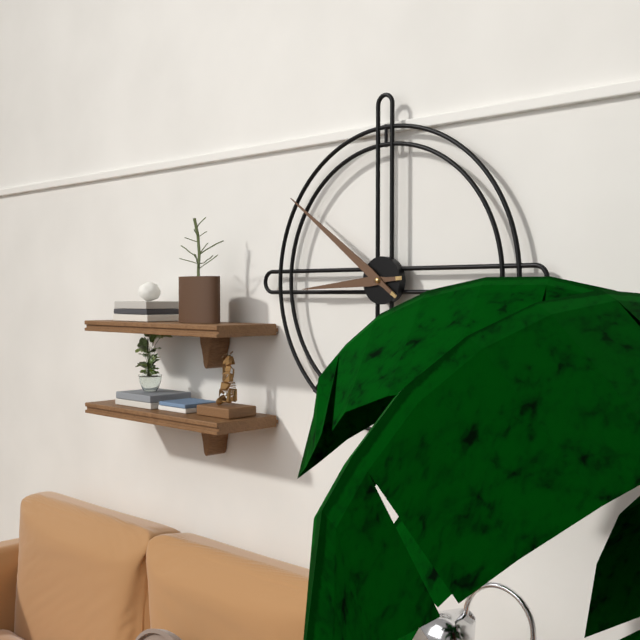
8,51
